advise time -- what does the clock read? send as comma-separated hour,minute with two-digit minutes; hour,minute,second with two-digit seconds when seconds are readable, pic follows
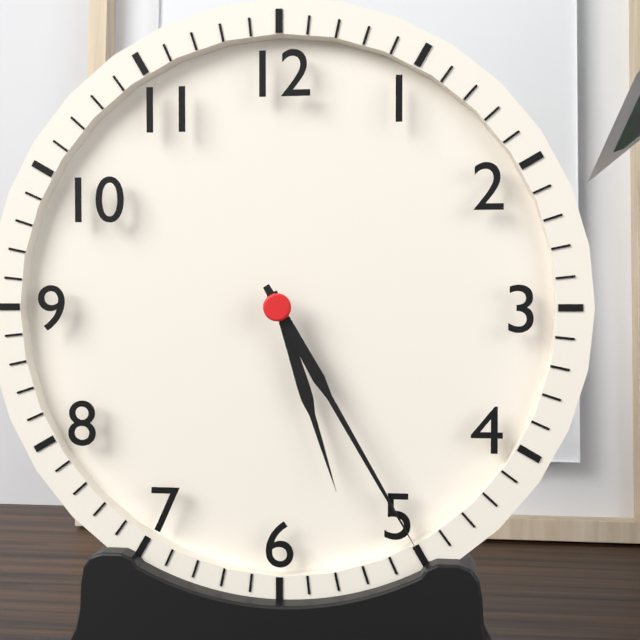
5,25
